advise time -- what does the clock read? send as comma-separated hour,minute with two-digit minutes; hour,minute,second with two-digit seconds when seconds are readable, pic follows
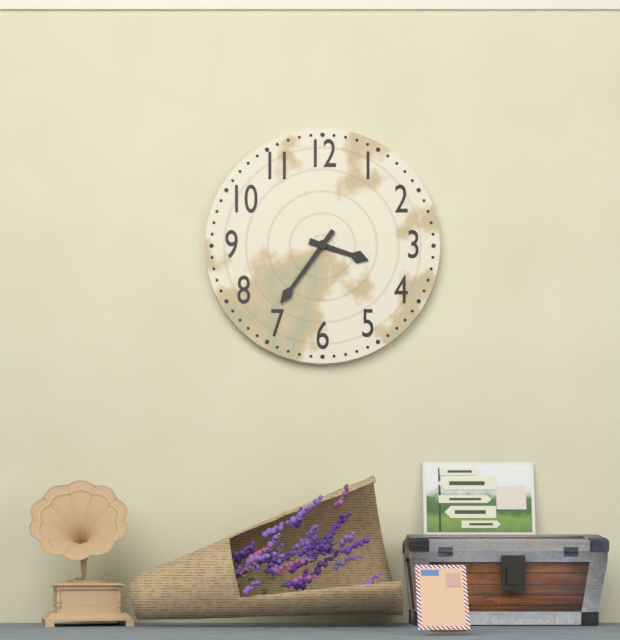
3,36
